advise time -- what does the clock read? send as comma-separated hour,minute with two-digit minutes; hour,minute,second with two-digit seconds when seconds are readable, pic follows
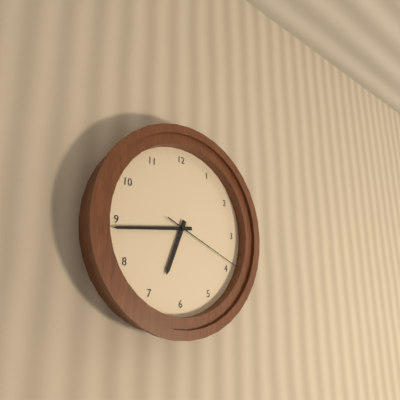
6,44,19
